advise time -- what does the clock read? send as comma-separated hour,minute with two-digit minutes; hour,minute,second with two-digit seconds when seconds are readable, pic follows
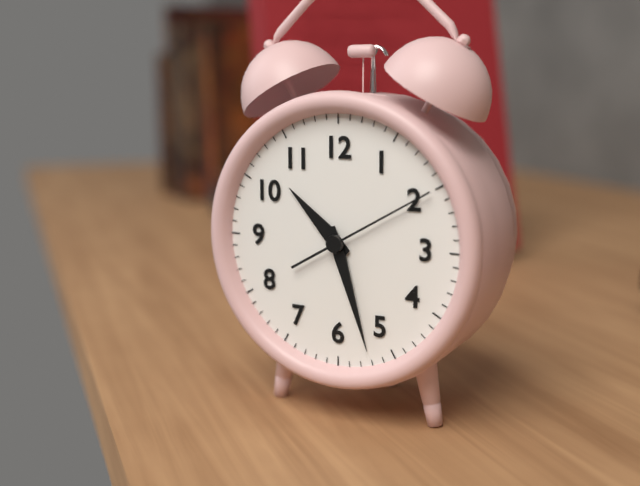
10,27,10
